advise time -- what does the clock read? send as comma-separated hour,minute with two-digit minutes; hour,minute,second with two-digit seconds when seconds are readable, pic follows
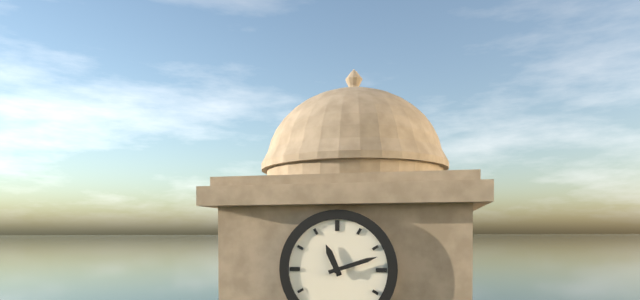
11,12
